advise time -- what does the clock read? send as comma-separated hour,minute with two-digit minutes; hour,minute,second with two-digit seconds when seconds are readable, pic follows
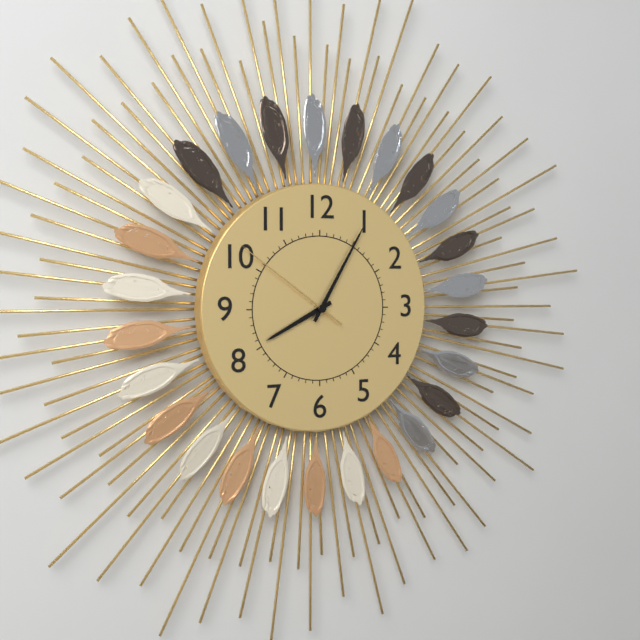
8,05,51
